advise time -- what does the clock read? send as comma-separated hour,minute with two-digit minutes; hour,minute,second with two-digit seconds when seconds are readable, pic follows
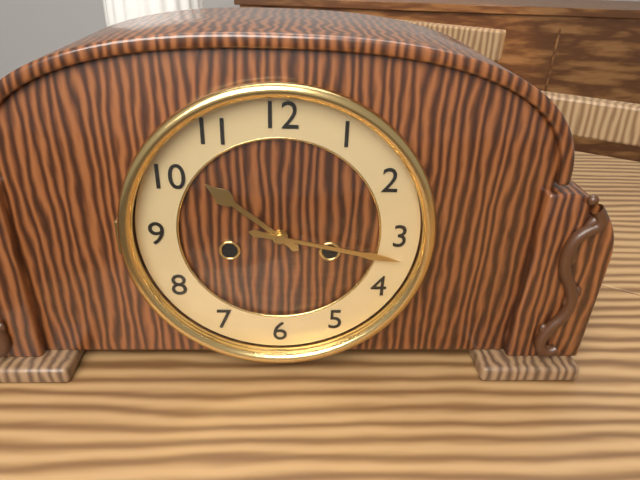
10,17
